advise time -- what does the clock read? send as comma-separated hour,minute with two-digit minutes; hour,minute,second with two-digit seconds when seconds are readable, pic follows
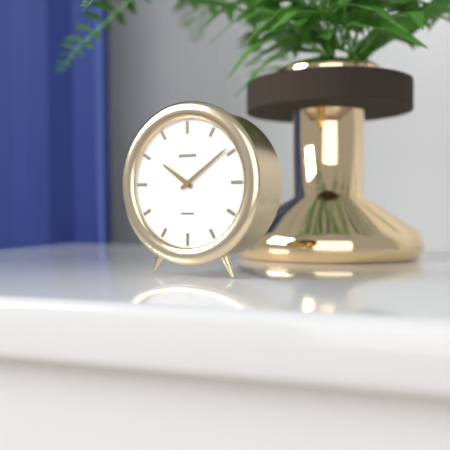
10,09
